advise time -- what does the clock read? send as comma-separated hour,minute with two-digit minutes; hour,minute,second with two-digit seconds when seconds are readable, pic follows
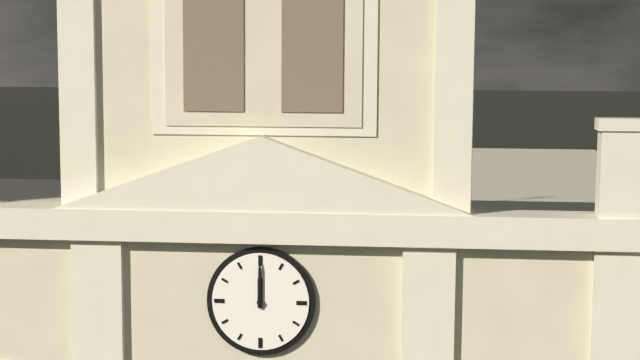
12,00
